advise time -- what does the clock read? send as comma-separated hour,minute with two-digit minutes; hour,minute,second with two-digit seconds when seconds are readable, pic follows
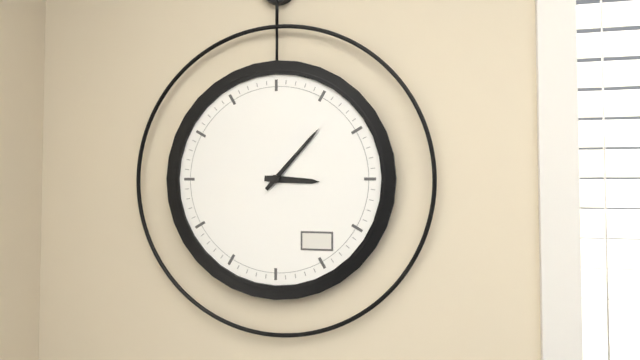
3,07
